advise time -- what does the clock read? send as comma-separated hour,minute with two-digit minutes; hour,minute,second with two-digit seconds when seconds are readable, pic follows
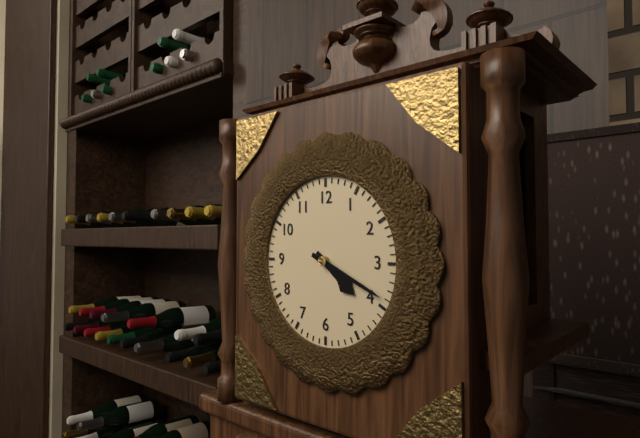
4,19
